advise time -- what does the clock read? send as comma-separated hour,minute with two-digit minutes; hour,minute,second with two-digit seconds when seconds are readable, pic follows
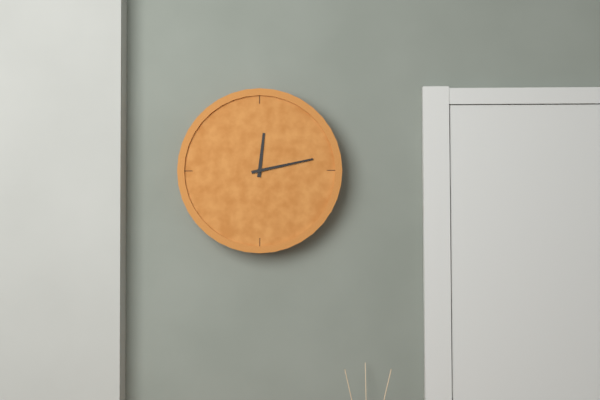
12,13
